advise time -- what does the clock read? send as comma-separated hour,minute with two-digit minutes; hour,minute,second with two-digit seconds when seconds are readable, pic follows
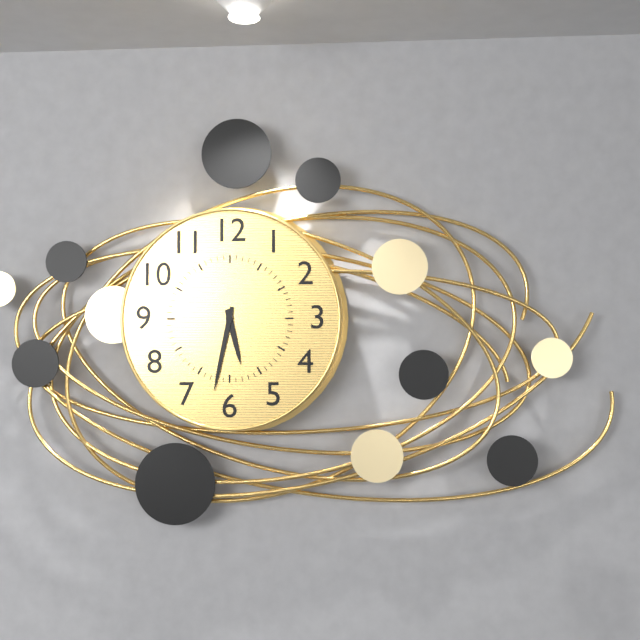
5,32
